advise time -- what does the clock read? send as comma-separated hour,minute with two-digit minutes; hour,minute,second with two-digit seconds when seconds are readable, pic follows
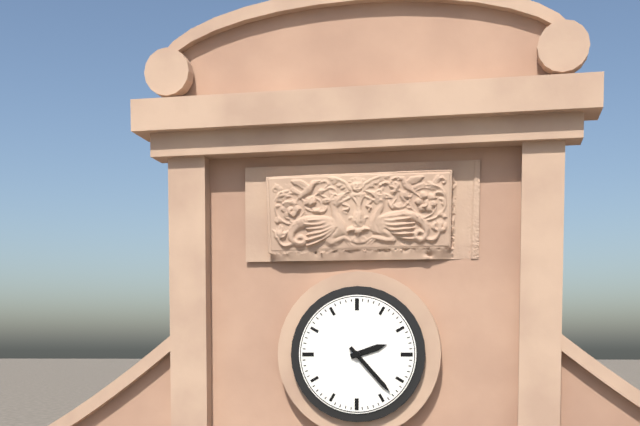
2,23
